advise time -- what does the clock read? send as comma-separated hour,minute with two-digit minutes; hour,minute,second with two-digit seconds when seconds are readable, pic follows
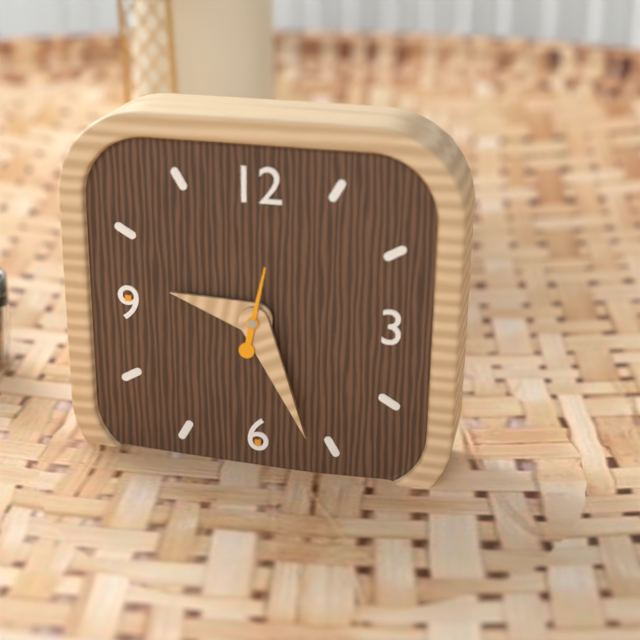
9,26
